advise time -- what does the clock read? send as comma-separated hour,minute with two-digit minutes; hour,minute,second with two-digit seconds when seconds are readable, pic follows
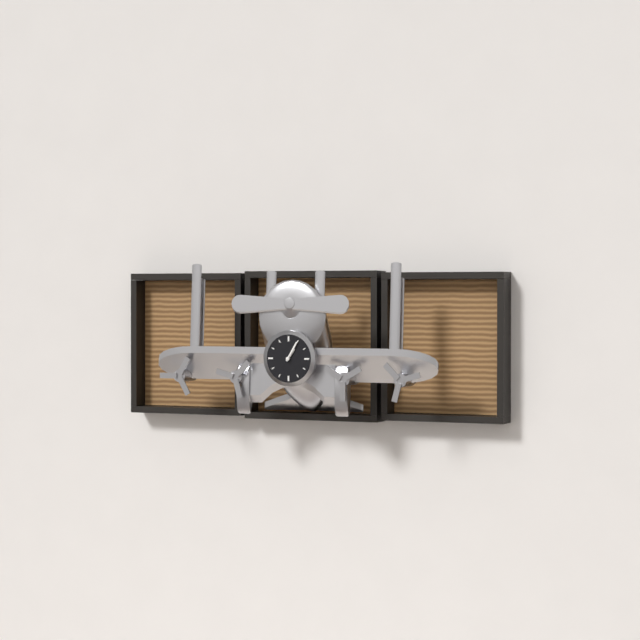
1,05
